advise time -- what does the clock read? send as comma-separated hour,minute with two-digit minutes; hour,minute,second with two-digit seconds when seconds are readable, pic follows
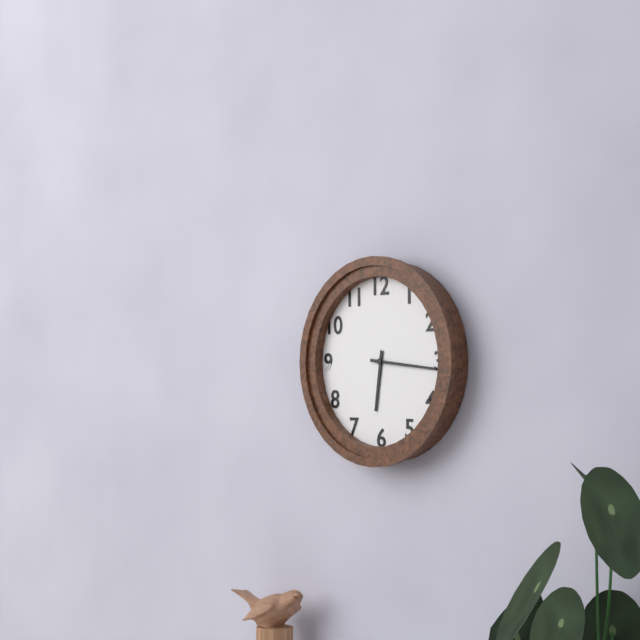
6,16
